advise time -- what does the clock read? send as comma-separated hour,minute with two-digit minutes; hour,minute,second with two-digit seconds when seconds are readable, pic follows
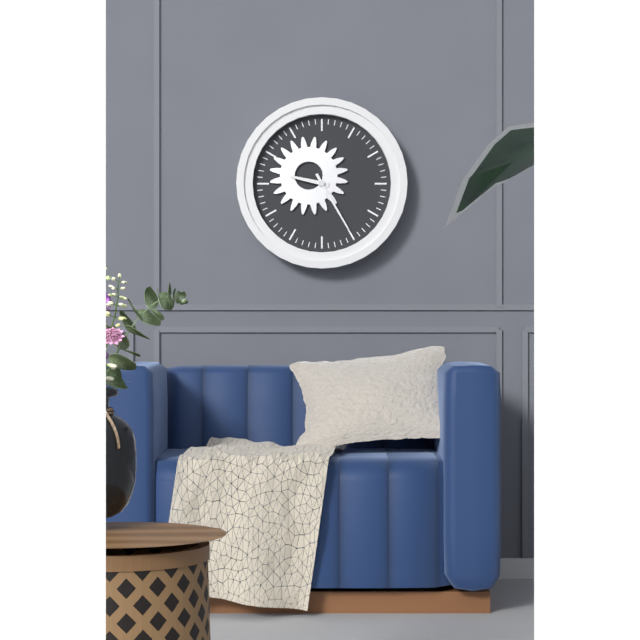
9,25
